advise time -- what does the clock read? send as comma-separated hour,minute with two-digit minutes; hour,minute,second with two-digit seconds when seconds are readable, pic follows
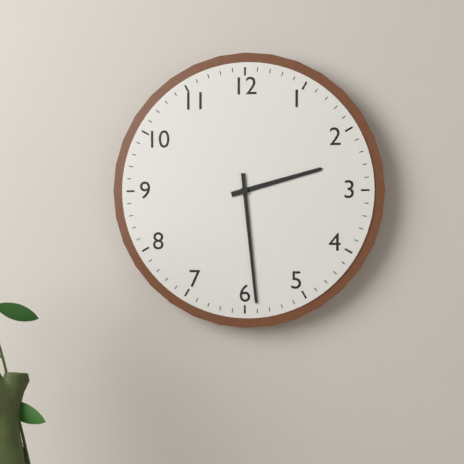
2,29
